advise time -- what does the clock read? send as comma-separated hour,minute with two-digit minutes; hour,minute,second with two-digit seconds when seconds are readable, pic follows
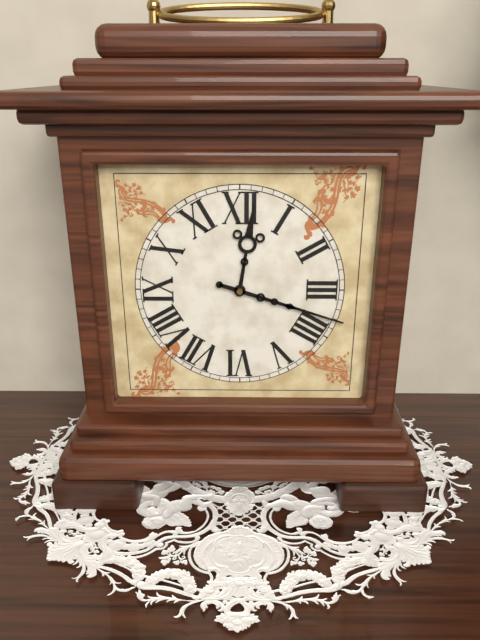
12,18
